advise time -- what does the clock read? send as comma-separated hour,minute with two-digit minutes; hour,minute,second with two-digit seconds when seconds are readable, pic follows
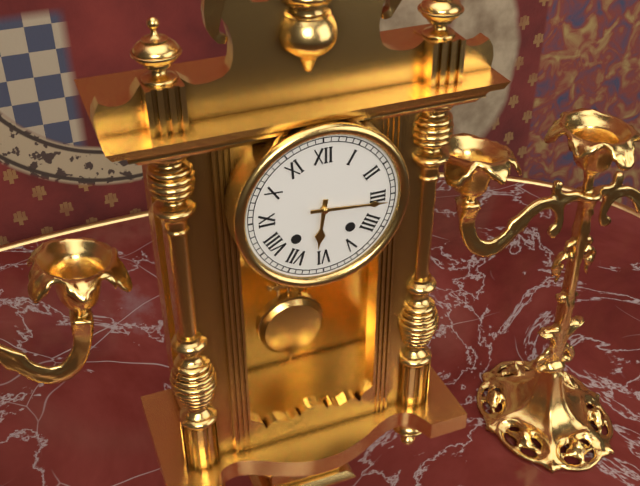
6,16
